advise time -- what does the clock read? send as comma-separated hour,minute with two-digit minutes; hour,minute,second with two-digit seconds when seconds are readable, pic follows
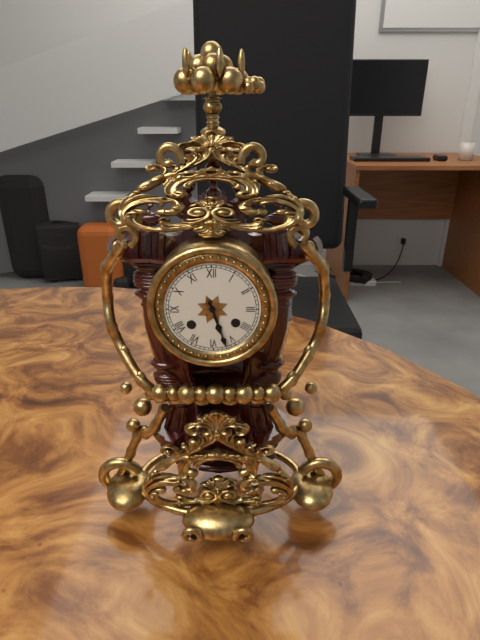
5,27
